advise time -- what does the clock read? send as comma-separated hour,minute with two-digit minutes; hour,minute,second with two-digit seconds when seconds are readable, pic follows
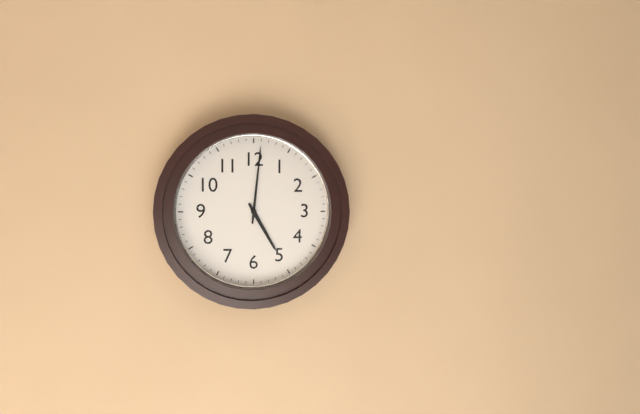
5,01
